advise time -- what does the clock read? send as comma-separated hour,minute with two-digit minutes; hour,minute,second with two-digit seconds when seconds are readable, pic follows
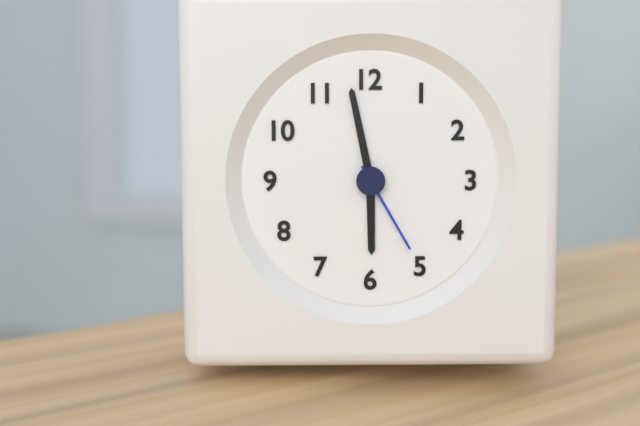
5,58,25
